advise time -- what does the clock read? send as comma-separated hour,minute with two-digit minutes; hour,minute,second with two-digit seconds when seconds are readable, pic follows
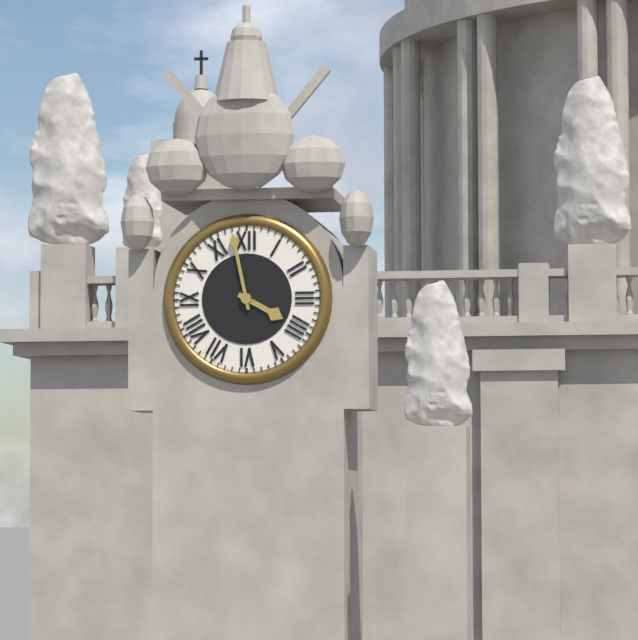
3,58
